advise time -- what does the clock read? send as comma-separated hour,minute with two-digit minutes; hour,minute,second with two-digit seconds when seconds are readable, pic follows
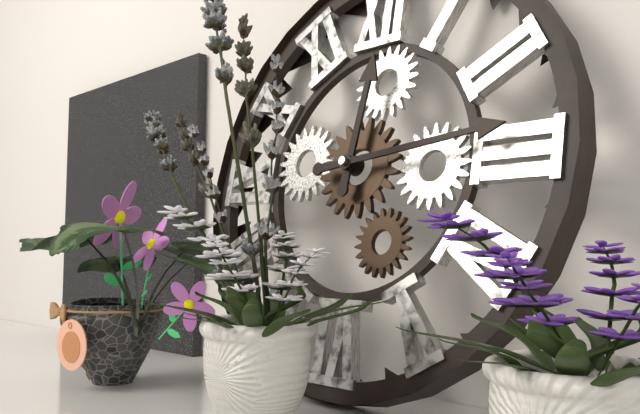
12,14
